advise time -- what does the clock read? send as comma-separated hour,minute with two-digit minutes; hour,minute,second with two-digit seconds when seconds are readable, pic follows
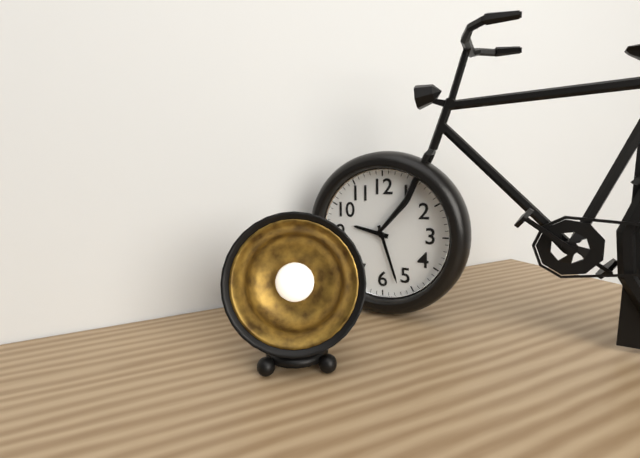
9,27
